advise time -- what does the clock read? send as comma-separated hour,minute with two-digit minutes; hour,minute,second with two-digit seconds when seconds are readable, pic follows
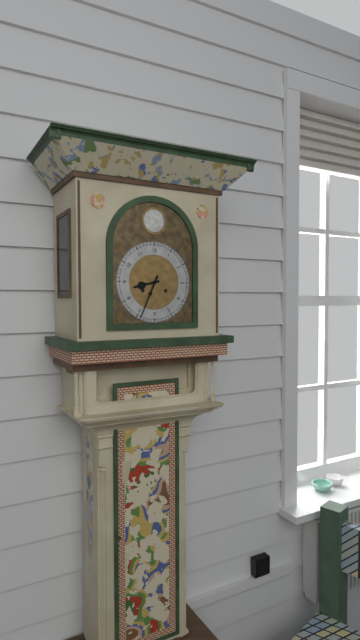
8,34
